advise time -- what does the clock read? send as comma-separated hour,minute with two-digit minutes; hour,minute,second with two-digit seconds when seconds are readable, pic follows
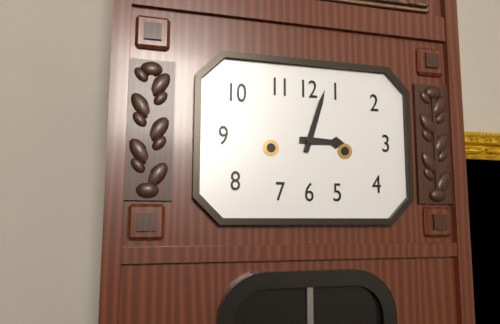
3,03
